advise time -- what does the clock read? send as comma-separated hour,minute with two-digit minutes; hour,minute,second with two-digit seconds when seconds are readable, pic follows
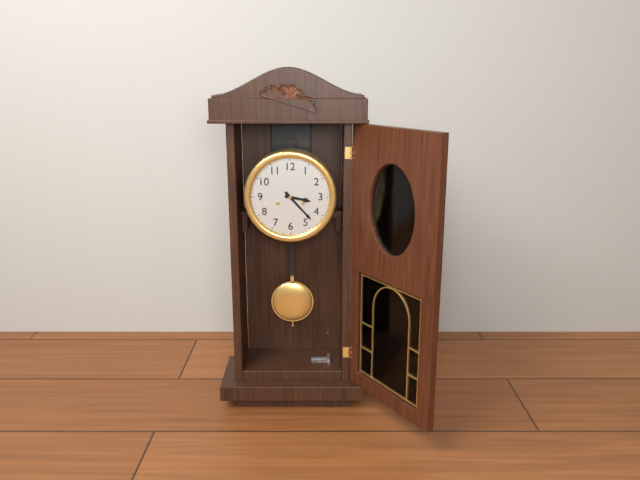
3,23
